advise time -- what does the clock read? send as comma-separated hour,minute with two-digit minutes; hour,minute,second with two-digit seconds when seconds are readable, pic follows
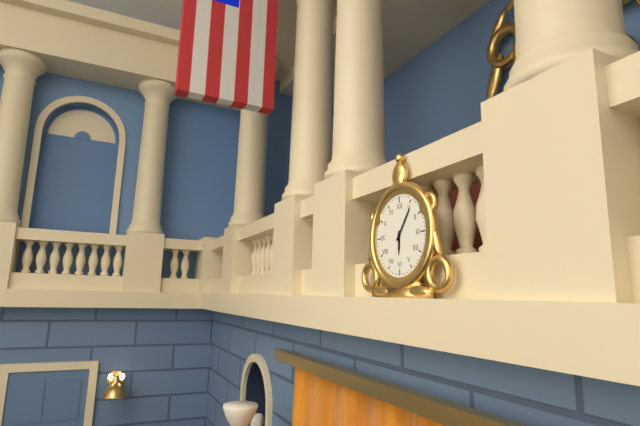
6,06
